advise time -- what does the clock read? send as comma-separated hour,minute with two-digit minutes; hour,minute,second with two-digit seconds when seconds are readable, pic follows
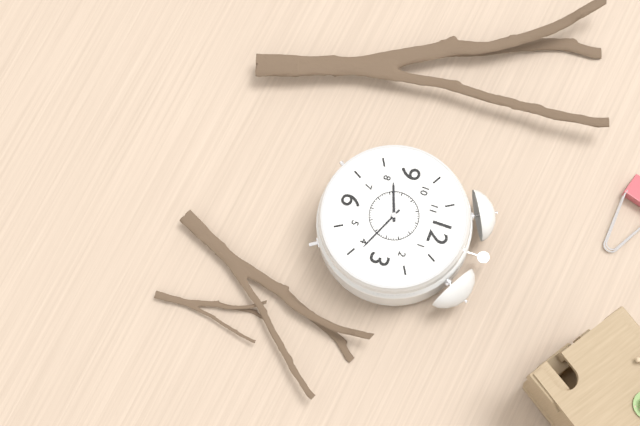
8,19
